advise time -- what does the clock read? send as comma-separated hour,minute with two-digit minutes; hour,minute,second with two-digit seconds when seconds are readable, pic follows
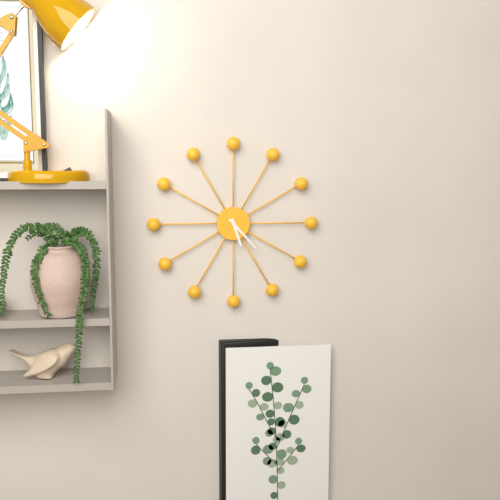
5,23
